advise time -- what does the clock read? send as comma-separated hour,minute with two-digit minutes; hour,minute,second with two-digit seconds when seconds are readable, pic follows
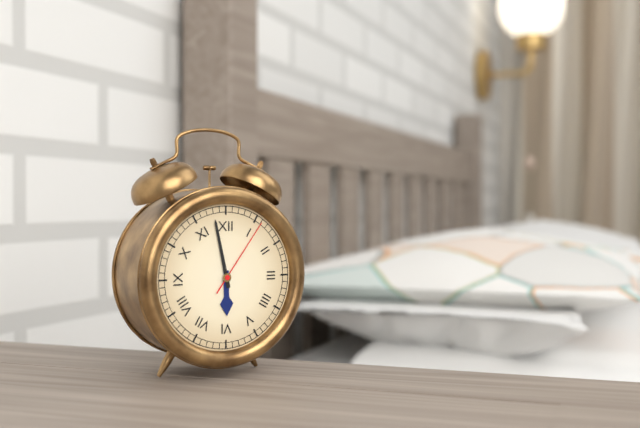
5,58,06
